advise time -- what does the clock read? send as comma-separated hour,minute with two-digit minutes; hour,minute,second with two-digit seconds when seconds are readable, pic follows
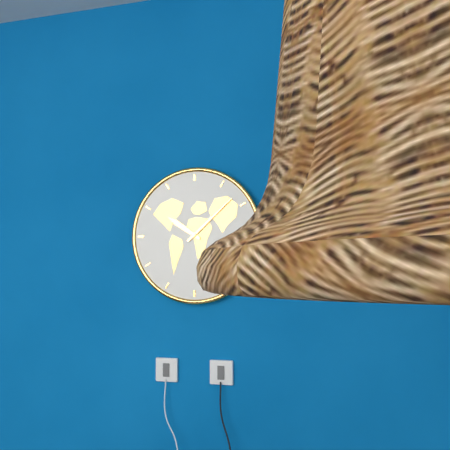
10,08
